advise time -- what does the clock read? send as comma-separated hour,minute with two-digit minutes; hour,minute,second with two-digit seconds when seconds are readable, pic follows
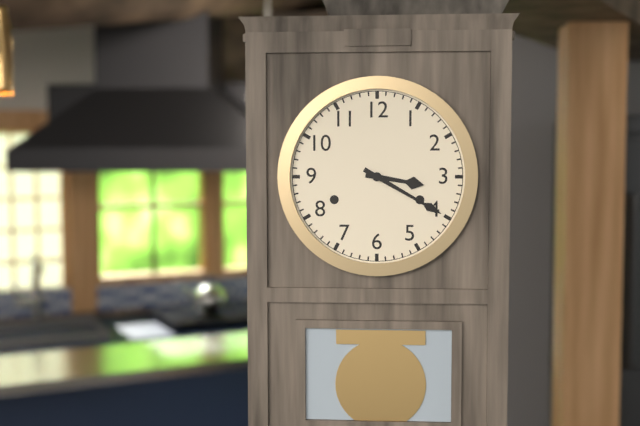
3,20
